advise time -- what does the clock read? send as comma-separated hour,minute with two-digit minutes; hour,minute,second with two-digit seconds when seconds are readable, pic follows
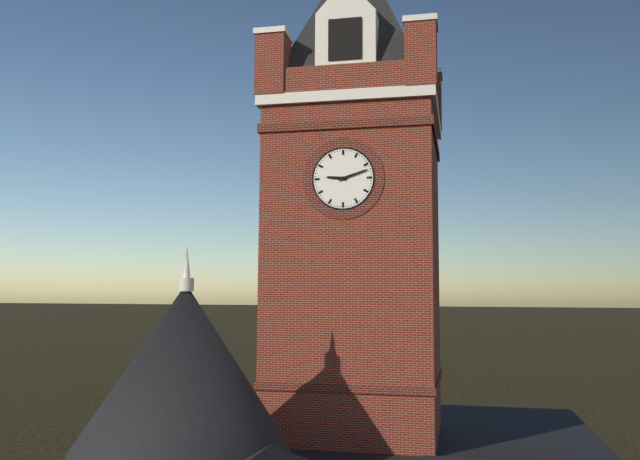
9,12
